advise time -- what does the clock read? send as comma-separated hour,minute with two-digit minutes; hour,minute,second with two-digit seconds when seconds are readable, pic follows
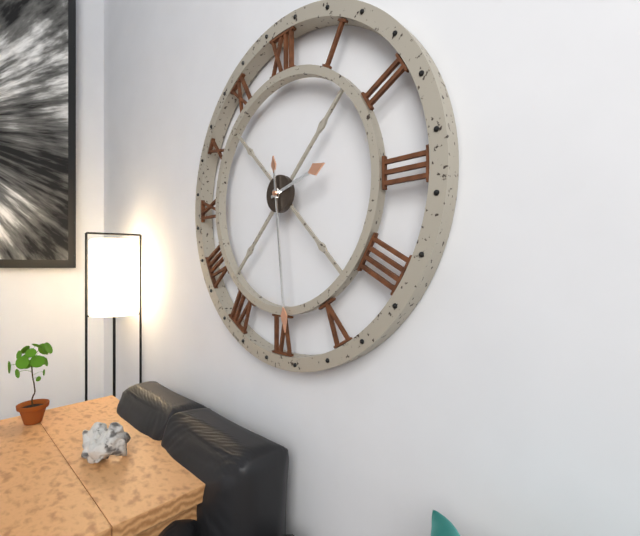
2,29
